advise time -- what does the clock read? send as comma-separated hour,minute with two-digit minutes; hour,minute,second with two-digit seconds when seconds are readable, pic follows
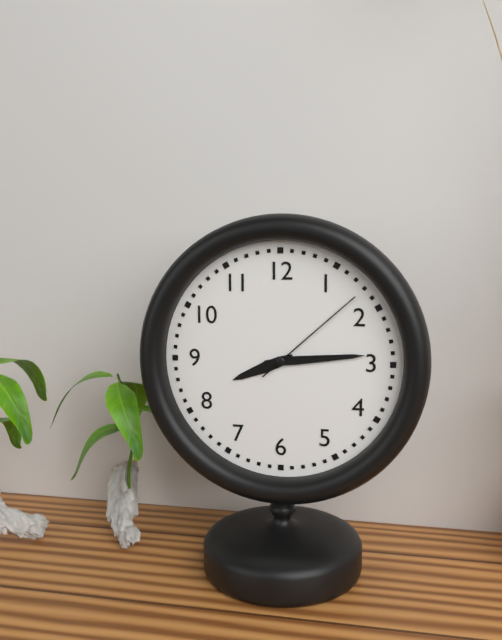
8,14,08
